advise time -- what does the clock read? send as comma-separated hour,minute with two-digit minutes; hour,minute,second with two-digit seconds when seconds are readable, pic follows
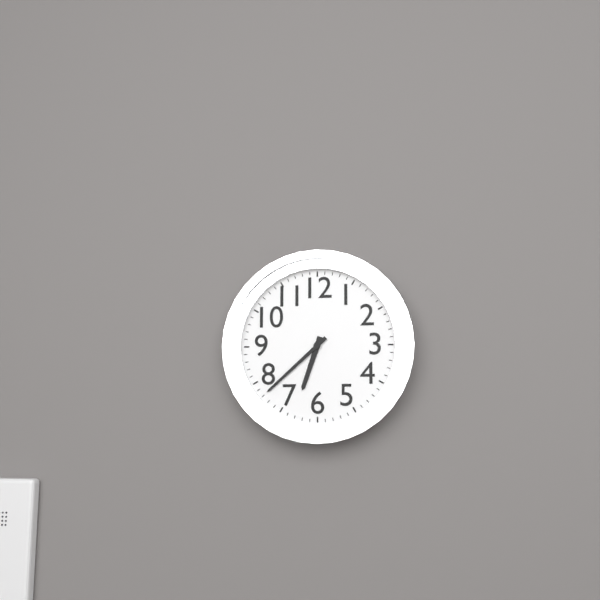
6,38
